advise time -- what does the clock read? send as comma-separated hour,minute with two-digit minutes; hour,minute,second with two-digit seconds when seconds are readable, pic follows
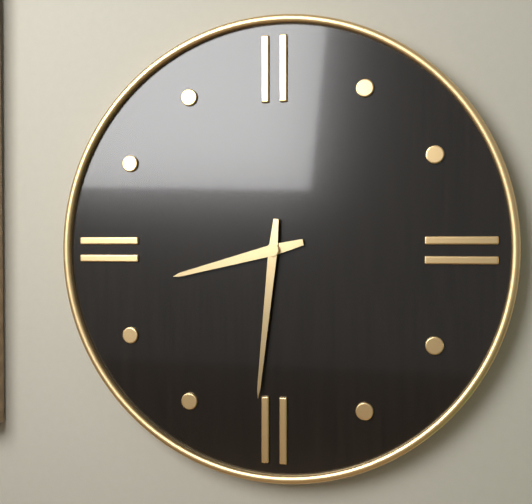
8,31
